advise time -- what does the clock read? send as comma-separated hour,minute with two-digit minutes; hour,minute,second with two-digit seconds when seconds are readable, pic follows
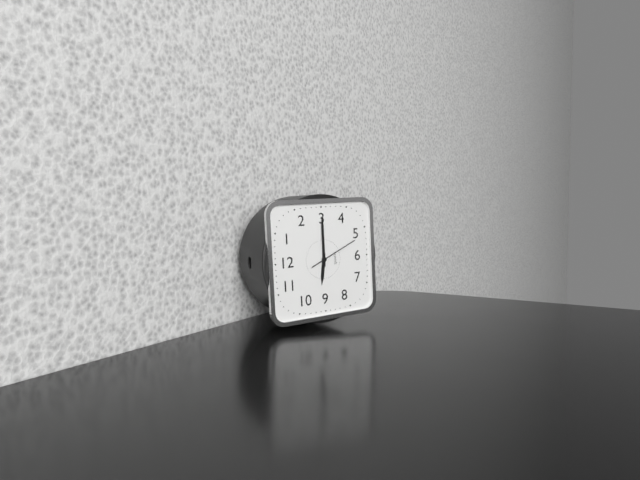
9,15
